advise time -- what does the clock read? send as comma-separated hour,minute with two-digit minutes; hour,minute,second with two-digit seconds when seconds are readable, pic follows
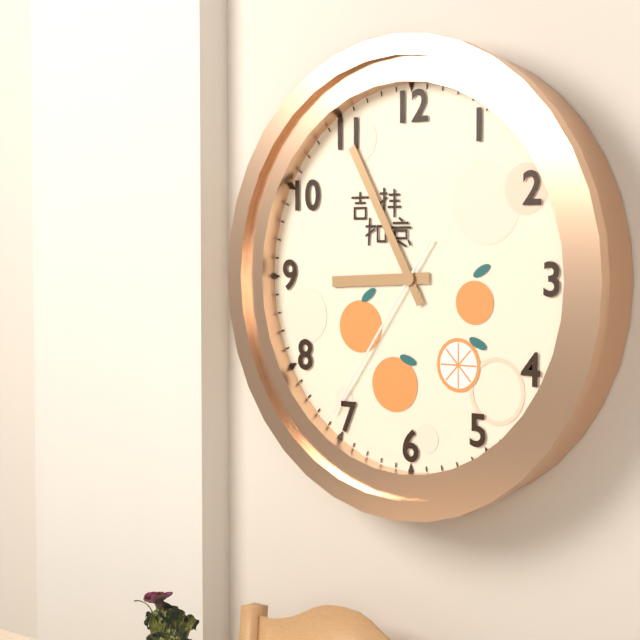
8,55,36
